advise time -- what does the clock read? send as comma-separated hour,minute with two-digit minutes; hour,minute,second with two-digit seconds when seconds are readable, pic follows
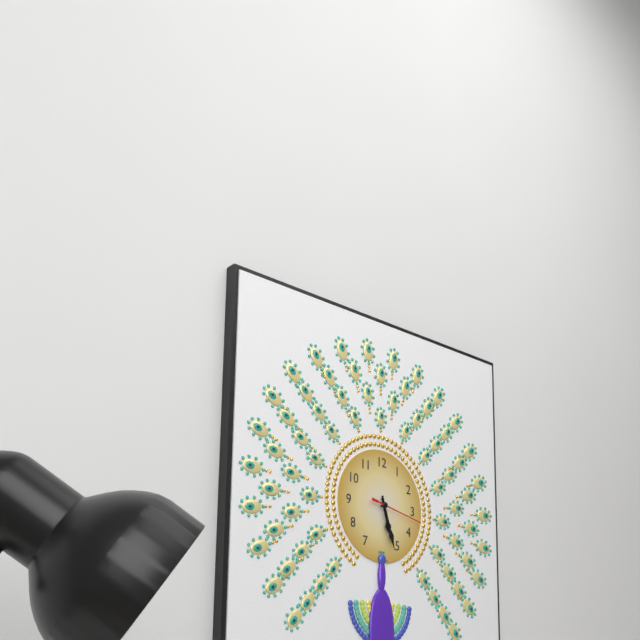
5,27
